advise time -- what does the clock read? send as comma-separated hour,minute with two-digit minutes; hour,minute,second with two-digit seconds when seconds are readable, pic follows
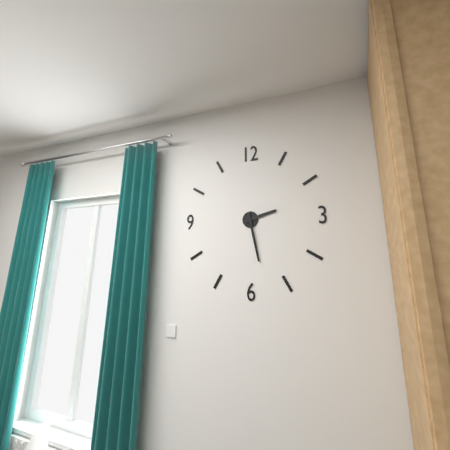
2,28
